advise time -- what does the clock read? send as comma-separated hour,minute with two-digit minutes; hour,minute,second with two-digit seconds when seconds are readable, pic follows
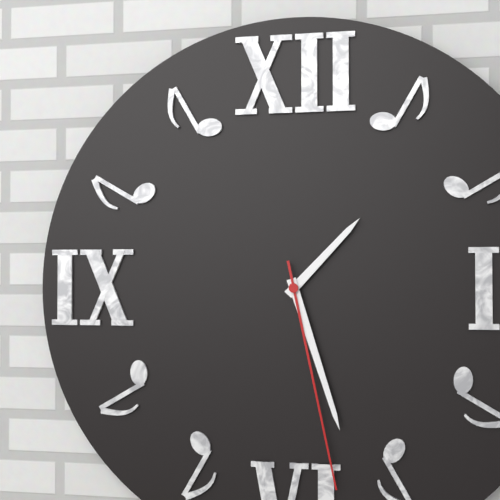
1,27,28
